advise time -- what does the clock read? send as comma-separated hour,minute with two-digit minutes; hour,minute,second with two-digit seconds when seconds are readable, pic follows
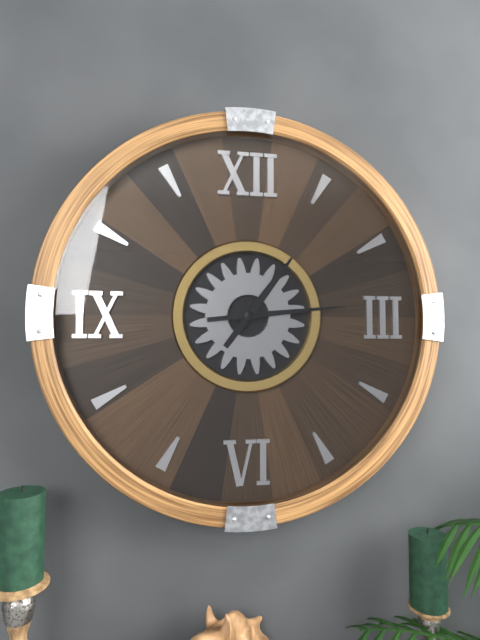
1,14
